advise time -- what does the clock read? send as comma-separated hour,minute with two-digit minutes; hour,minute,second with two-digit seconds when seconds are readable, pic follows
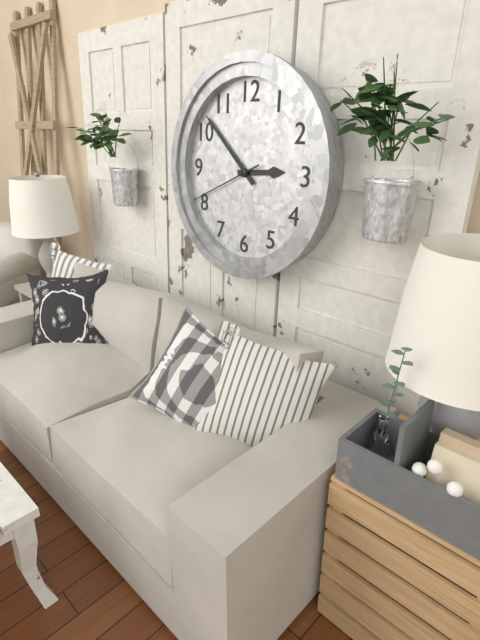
2,52,41
